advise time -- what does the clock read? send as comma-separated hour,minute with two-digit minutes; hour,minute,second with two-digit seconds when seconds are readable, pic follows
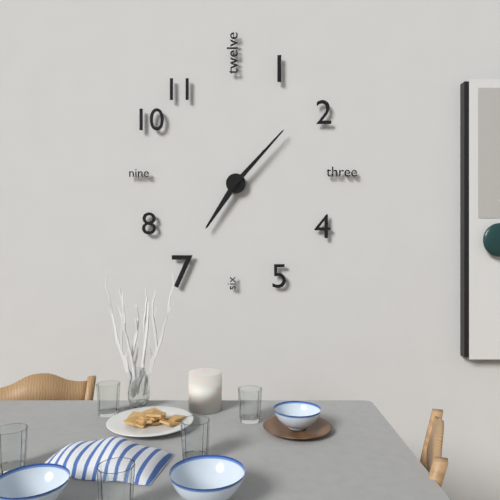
7,07
